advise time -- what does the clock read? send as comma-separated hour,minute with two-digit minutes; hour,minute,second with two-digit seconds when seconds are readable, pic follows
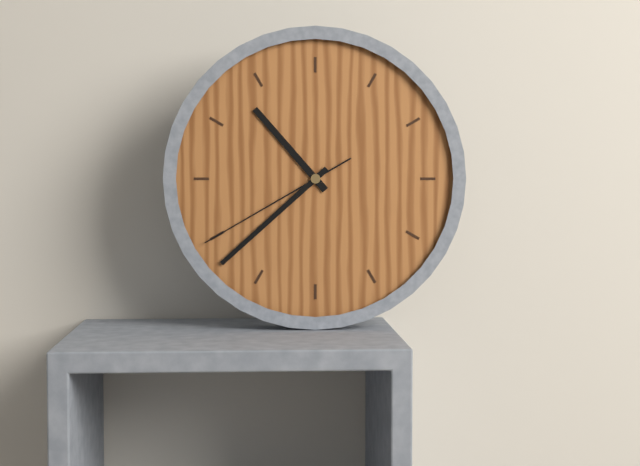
10,38,40
